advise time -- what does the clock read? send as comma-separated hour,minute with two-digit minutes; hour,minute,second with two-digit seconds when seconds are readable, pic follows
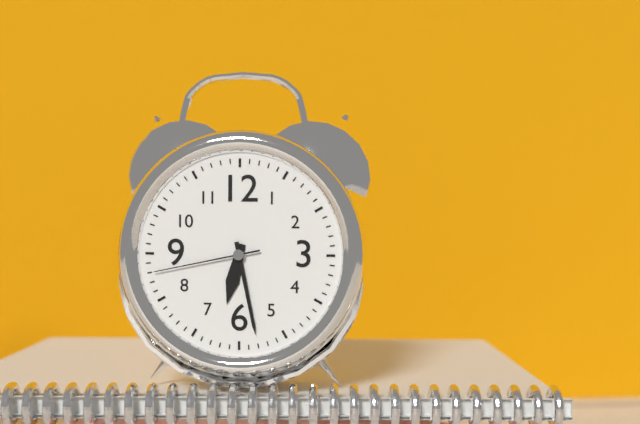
6,28,43
